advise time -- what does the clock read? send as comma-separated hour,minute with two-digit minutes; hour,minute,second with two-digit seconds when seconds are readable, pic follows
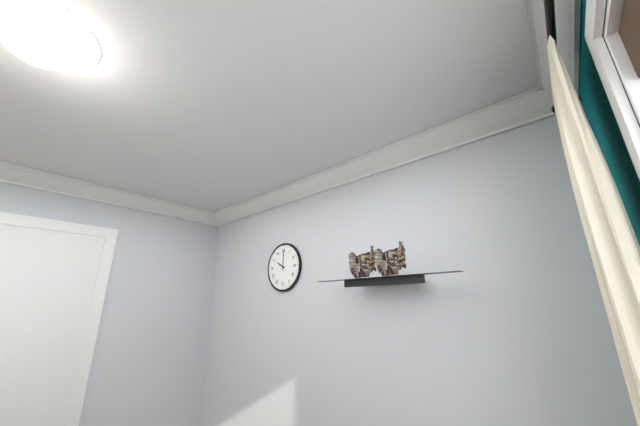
10,00
